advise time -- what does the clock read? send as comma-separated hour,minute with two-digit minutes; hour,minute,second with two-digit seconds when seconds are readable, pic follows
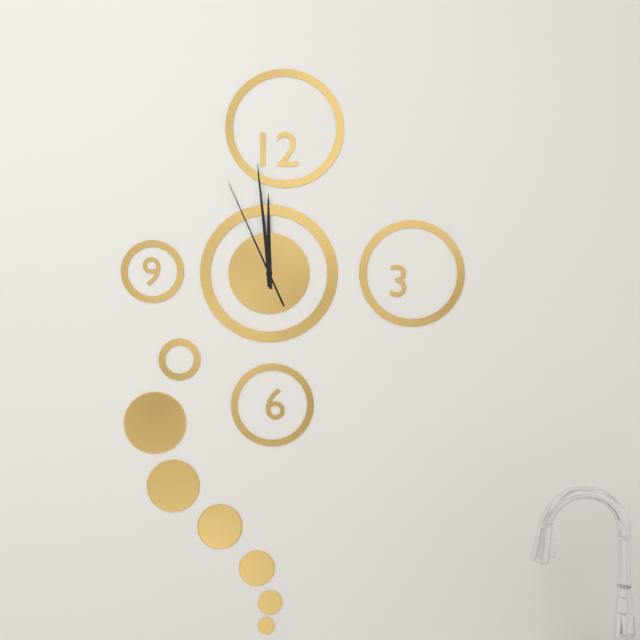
11,59,56
